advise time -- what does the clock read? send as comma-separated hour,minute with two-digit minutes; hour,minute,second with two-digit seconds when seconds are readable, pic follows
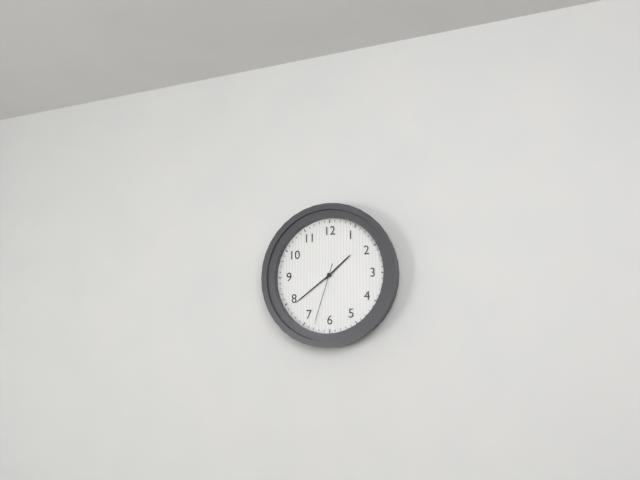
1,39,33
